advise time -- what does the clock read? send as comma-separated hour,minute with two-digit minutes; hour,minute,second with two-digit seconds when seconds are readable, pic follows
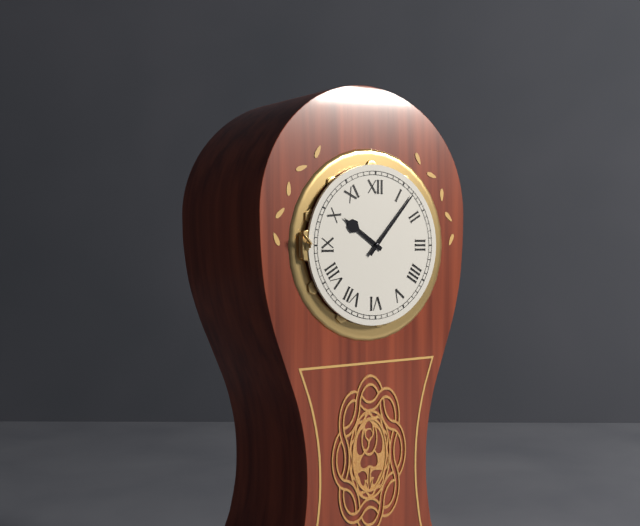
10,07
